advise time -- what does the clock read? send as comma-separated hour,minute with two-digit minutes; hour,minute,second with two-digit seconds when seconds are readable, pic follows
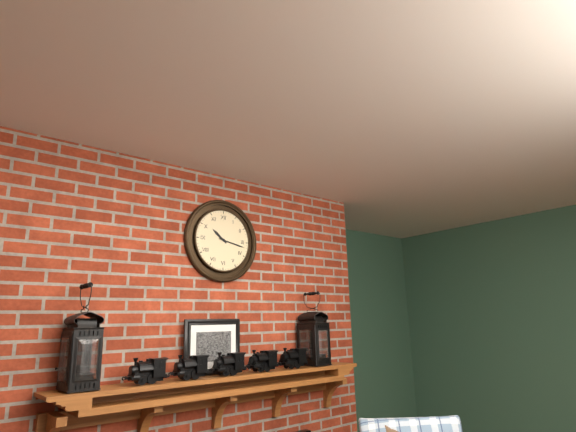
10,17
